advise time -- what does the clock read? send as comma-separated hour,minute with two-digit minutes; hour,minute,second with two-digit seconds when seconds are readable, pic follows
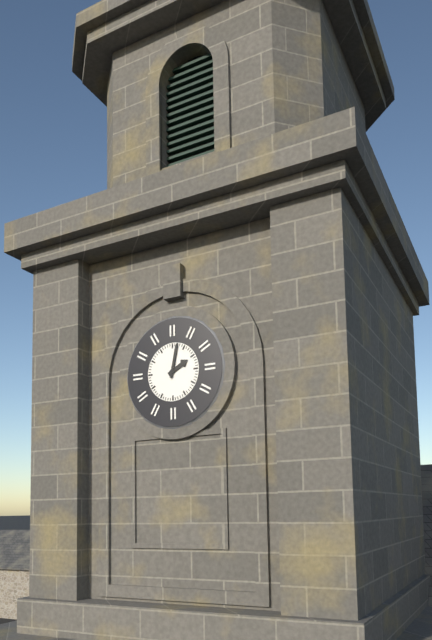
2,02
